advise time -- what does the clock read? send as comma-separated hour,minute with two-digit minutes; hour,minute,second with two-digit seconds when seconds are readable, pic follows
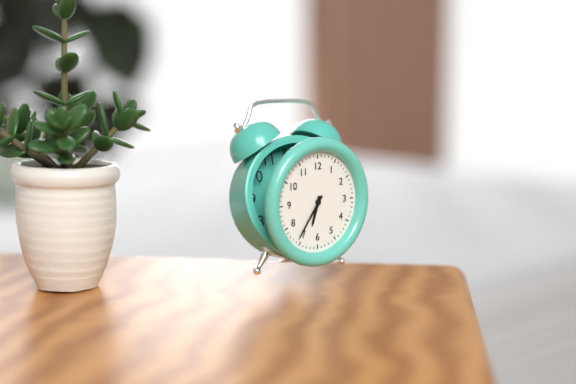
6,36
